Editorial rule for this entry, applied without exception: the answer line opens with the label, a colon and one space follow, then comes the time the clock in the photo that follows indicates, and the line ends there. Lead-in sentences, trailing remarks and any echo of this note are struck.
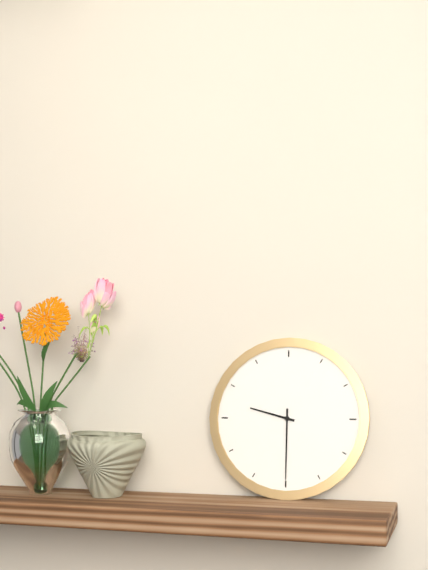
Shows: 9:30
